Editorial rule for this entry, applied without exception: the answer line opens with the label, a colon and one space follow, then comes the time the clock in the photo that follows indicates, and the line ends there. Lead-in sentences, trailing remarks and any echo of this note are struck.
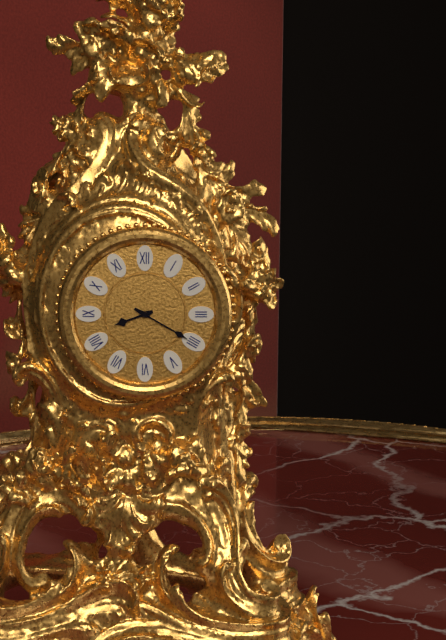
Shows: 8:20
